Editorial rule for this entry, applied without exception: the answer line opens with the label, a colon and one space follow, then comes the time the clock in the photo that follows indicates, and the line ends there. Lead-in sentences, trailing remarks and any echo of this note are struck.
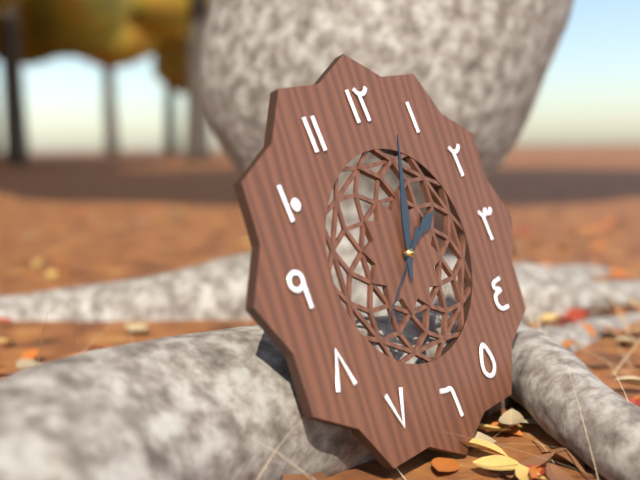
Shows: 2:03:38
